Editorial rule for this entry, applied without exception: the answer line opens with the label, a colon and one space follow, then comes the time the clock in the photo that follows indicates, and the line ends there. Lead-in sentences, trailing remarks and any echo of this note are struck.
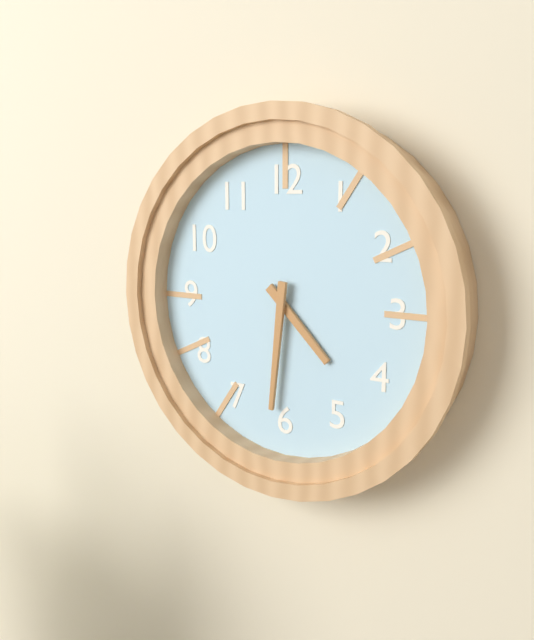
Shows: 4:31
